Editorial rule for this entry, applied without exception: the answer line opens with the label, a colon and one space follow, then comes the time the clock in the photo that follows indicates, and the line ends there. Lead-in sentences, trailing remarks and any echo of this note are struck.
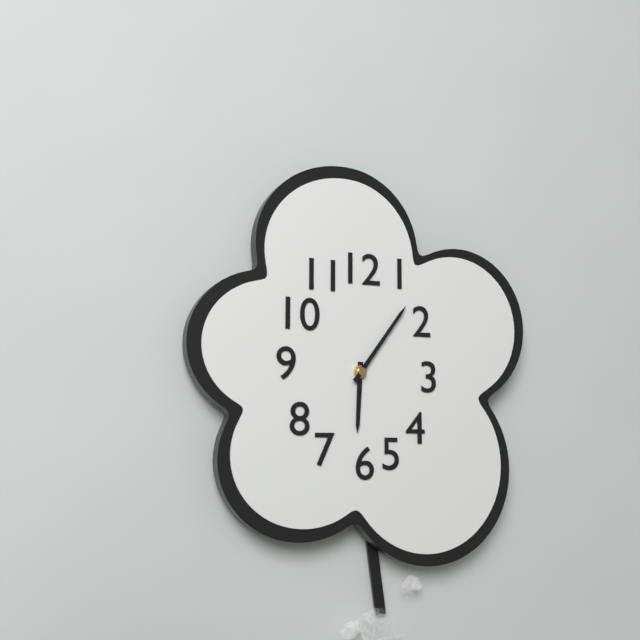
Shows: 6:06
